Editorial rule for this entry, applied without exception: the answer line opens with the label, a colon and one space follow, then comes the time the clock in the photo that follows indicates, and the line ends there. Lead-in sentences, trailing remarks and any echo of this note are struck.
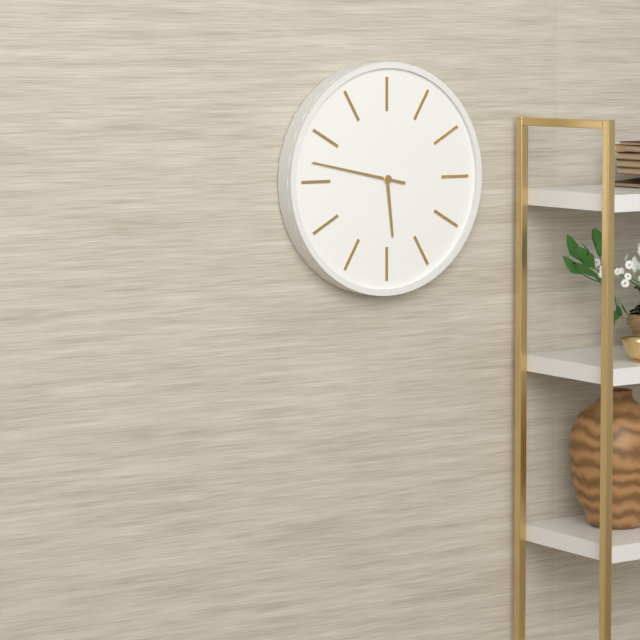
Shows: 5:47
